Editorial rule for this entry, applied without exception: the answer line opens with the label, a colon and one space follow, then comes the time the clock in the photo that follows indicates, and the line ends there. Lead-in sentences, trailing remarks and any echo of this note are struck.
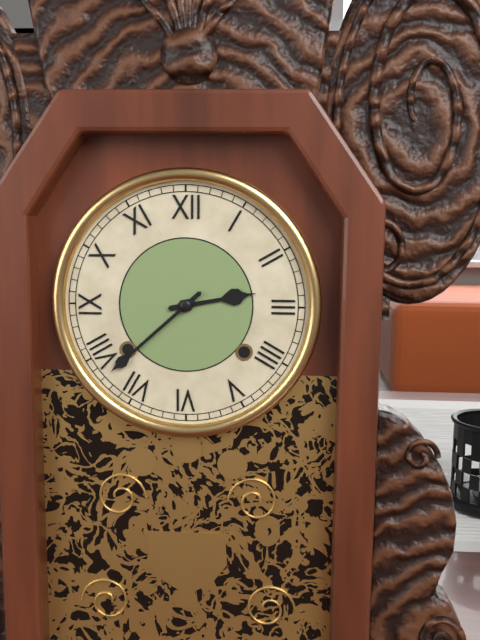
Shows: 2:38
